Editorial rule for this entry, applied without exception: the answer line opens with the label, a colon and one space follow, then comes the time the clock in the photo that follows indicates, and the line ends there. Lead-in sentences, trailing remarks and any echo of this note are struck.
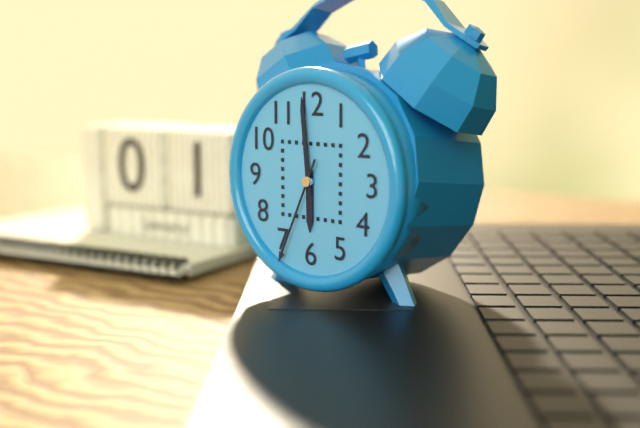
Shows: 5:59:34
